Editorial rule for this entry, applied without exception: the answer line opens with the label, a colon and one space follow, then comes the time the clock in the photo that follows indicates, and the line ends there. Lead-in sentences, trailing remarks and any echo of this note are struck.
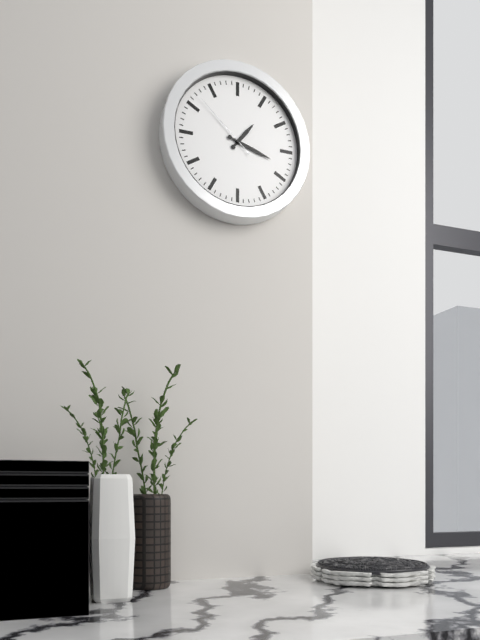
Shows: 1:18:52
